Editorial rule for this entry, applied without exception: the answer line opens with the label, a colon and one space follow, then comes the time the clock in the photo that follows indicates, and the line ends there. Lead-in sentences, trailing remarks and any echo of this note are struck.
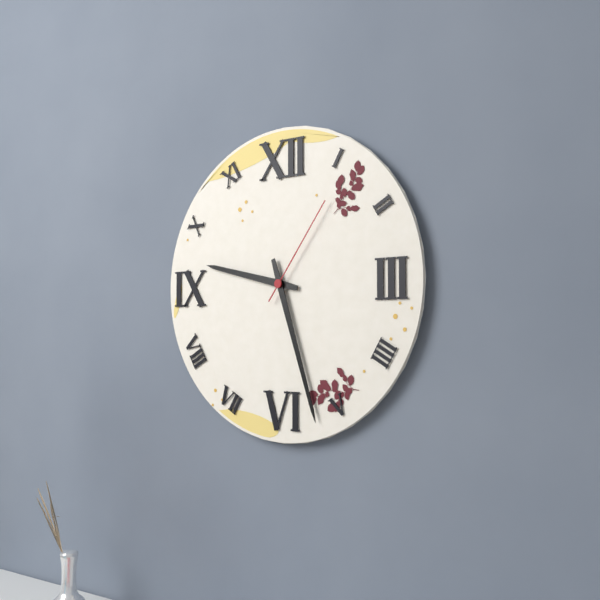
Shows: 9:27:06
